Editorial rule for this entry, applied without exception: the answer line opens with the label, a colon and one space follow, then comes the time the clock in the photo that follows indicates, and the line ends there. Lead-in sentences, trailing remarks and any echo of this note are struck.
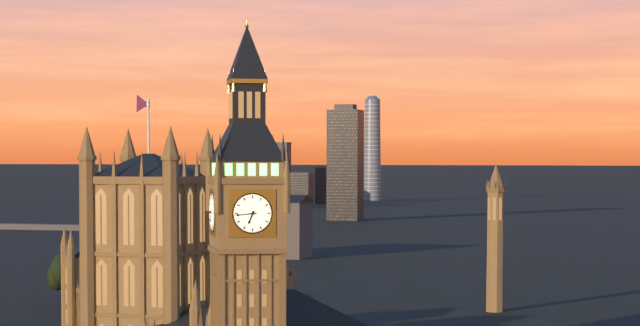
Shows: 6:44
